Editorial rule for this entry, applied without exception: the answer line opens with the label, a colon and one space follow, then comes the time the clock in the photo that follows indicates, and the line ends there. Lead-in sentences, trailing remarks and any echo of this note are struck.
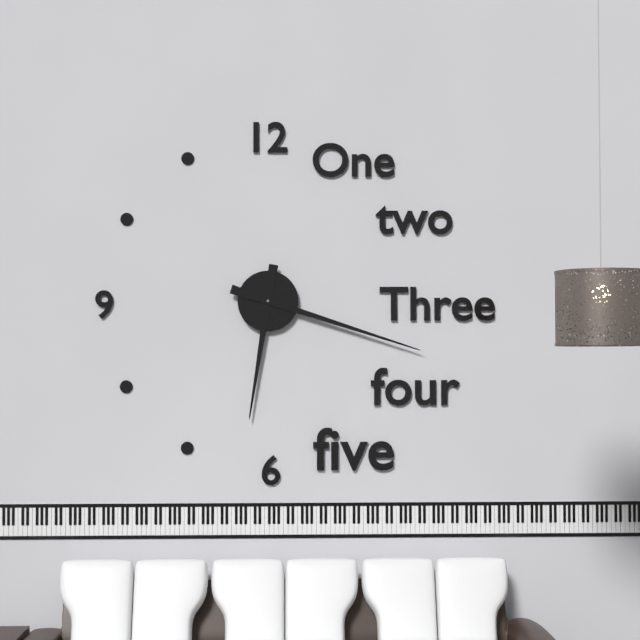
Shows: 6:18
